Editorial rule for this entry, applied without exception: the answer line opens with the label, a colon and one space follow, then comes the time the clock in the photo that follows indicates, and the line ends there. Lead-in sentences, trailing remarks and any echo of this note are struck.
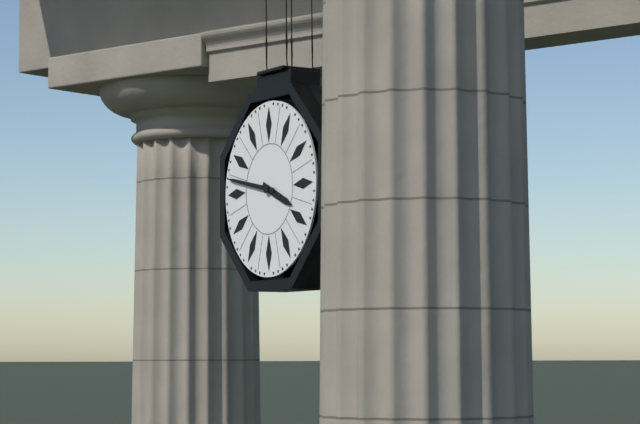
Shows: 3:47
